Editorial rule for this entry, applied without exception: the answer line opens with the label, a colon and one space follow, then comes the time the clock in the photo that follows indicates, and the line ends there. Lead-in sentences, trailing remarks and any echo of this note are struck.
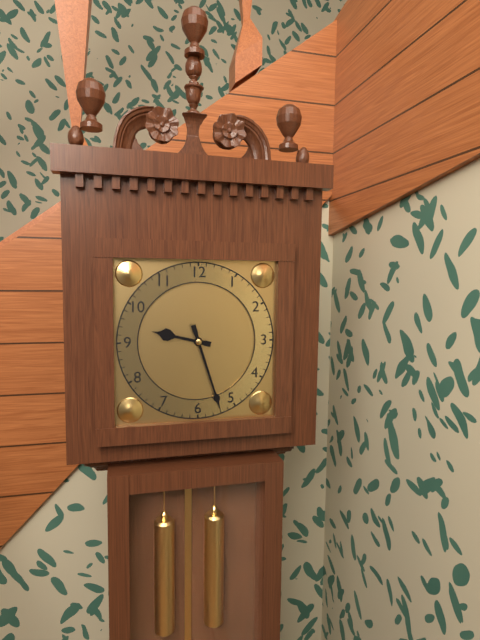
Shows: 9:27
